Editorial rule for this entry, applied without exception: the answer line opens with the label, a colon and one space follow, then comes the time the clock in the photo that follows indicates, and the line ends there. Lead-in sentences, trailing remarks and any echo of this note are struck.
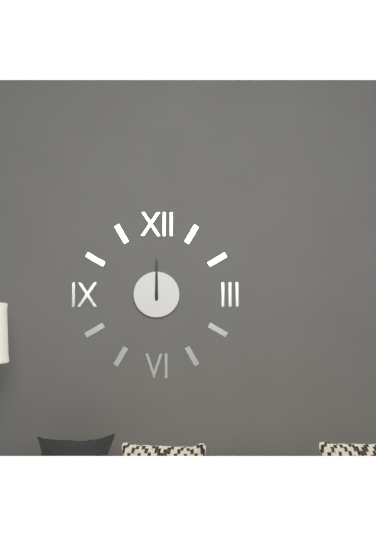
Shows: 12:00
